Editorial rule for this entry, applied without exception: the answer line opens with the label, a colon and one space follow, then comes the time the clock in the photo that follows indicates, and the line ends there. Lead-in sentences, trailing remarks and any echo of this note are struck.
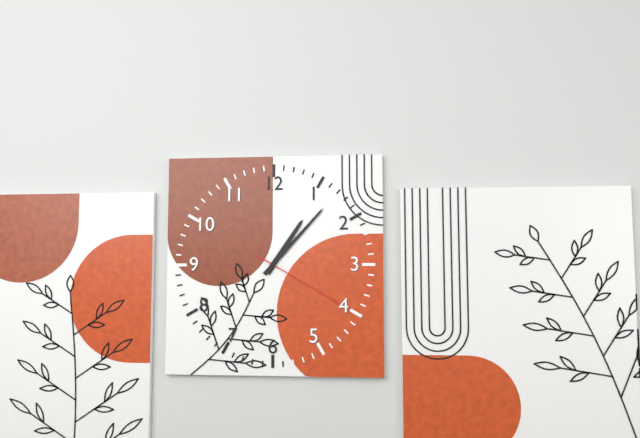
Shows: 1:07:20
